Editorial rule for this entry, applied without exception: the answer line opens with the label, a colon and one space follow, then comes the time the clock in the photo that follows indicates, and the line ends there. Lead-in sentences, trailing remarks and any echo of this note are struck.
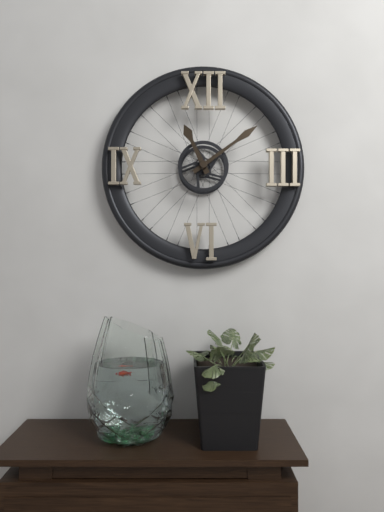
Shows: 11:09
